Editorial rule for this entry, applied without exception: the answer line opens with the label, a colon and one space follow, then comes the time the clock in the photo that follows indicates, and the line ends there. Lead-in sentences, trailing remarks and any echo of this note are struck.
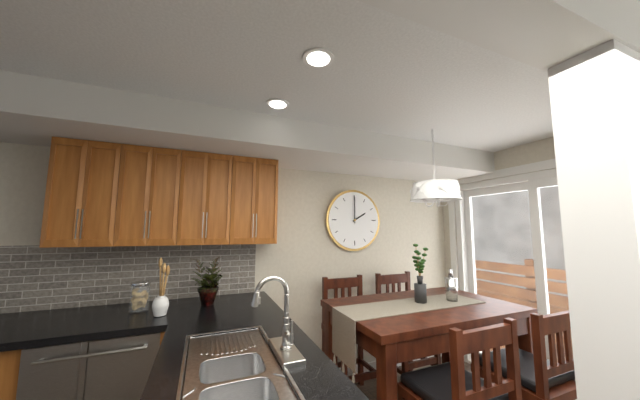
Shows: 2:00
